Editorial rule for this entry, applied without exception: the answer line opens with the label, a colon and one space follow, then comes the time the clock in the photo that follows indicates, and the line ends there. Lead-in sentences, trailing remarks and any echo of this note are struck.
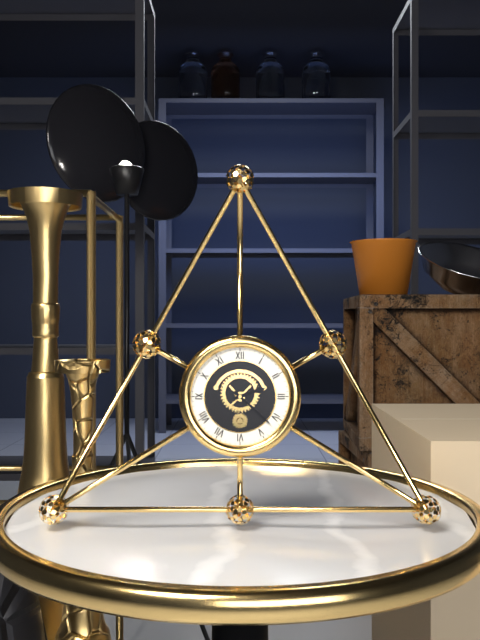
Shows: 2:22
